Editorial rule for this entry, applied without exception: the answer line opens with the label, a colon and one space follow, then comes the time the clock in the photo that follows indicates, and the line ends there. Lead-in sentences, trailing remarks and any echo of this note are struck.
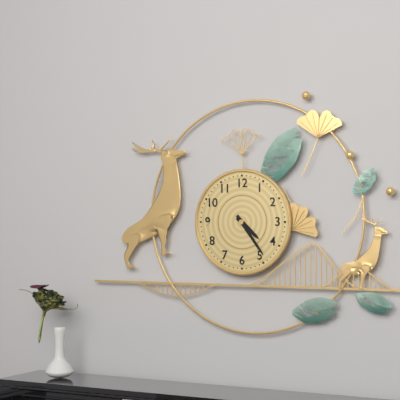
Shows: 4:24
